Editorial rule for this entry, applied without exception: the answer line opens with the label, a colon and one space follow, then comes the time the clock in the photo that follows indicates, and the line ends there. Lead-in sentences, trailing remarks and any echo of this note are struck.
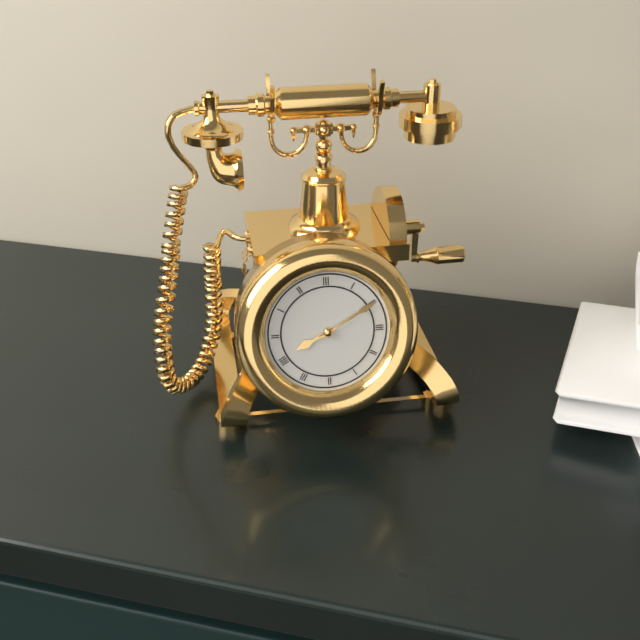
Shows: 8:10
